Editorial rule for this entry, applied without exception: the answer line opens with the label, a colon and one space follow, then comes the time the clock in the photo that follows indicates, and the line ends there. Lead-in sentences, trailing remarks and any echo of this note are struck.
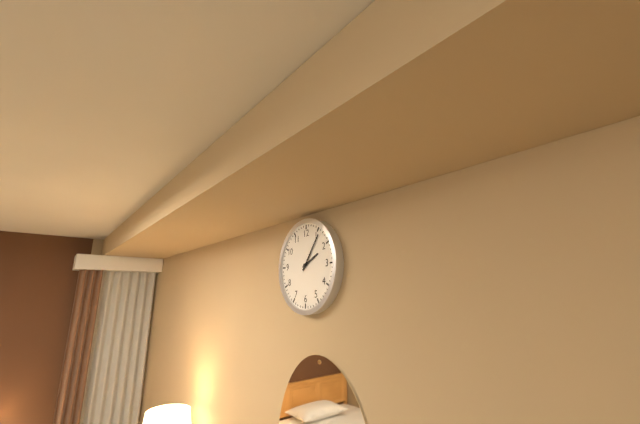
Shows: 2:06
